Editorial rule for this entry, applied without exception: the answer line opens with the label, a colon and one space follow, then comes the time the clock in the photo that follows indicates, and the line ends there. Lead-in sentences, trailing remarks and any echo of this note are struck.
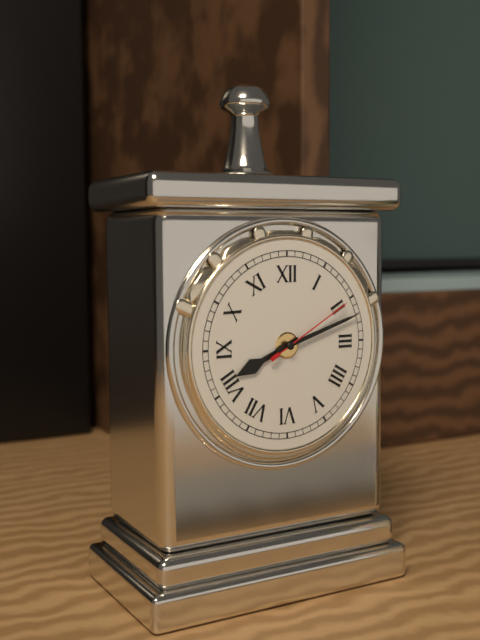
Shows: 8:12:10
